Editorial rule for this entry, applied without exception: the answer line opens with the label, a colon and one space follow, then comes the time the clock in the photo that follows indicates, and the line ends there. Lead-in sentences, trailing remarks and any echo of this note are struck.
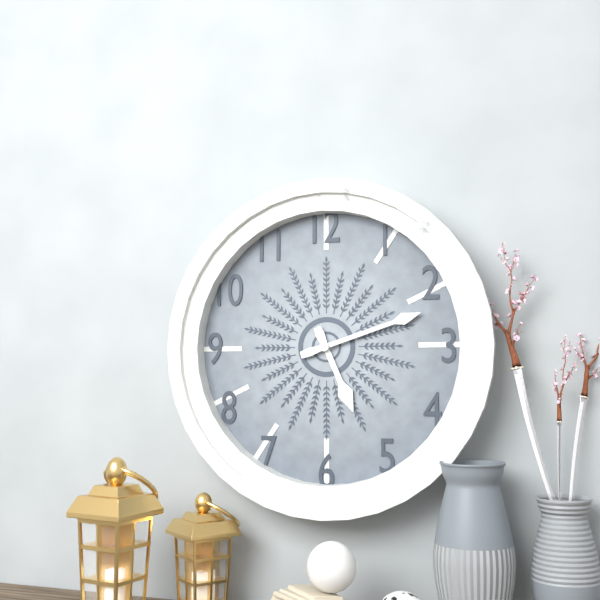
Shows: 5:12
